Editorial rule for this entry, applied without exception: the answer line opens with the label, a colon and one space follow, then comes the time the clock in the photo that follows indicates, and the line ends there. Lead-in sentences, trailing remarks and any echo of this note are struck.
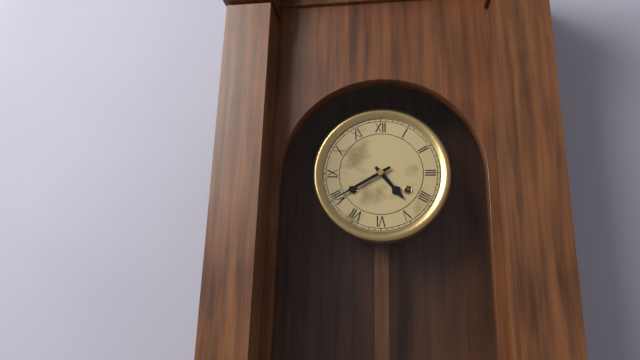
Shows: 4:40
